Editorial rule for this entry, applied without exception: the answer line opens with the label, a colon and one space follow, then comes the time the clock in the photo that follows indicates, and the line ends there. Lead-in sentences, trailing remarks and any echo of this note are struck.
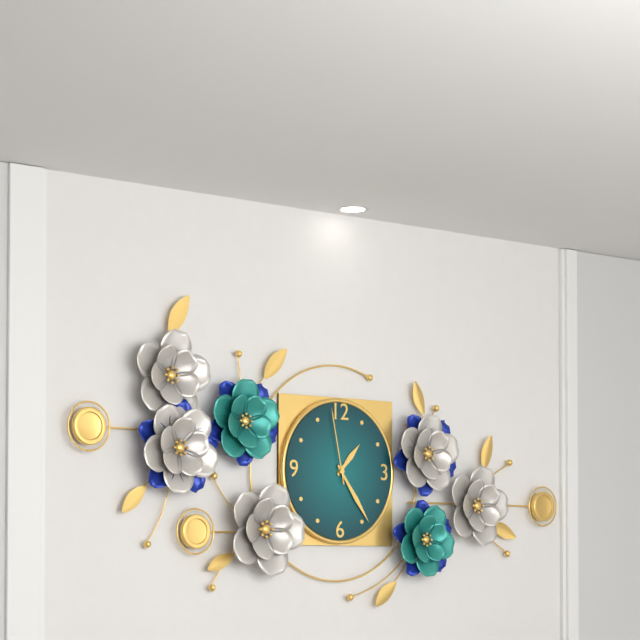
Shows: 1:24:58
